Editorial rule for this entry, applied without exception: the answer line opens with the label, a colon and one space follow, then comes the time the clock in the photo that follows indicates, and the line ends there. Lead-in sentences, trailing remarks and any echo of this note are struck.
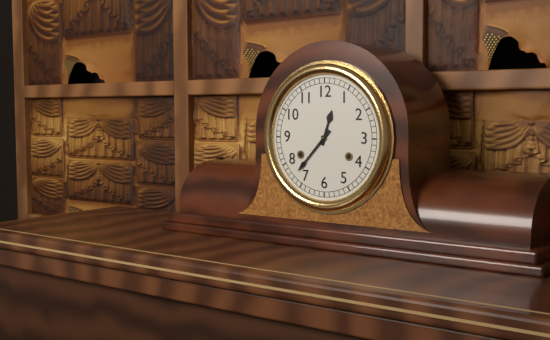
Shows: 12:37
